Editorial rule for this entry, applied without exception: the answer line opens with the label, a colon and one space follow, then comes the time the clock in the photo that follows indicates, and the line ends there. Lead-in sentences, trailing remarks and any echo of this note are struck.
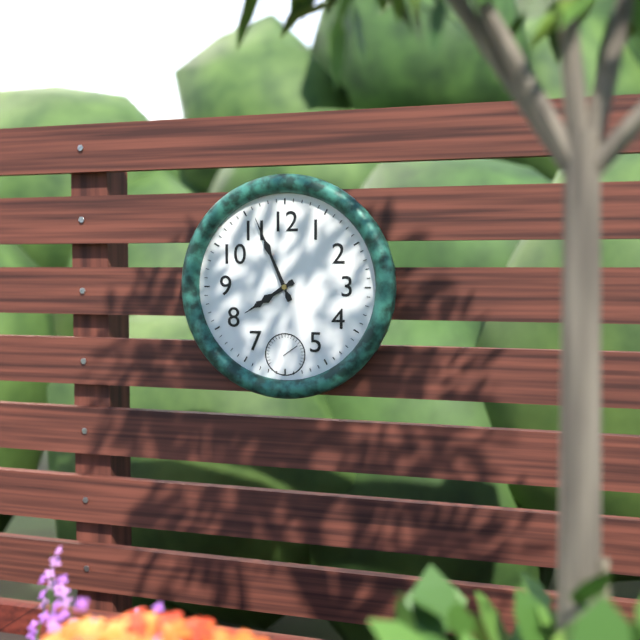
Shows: 7:56
